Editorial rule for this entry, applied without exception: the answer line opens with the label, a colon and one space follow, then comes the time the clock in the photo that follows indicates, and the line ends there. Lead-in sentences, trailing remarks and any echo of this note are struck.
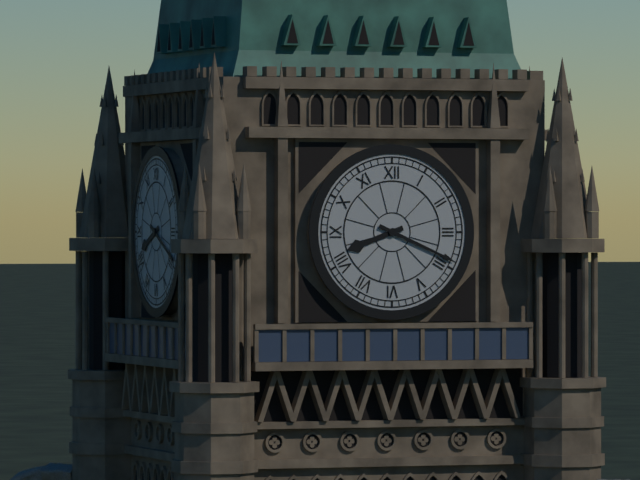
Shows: 8:19
